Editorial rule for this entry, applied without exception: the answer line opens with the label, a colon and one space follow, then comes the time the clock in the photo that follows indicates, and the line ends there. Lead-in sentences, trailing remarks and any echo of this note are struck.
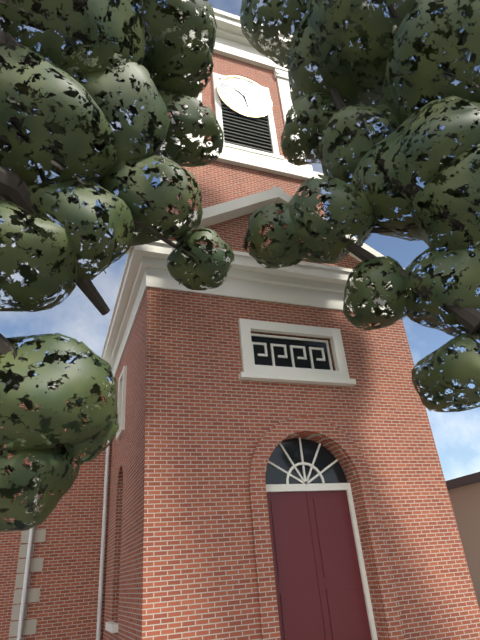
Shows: 10:28
